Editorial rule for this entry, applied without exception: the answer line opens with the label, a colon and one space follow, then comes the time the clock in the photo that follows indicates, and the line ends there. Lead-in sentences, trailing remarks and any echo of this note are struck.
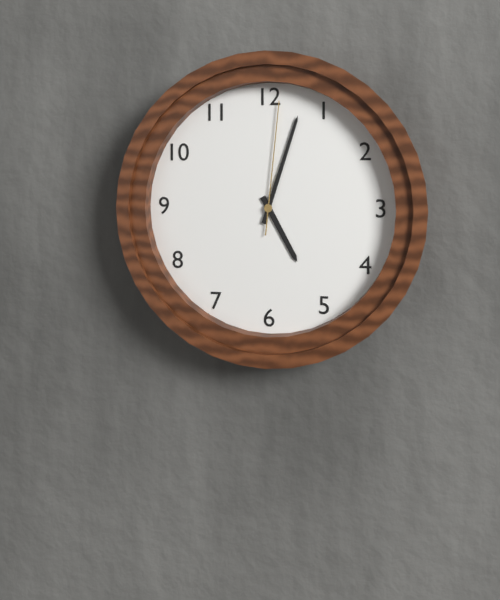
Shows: 5:03:01
